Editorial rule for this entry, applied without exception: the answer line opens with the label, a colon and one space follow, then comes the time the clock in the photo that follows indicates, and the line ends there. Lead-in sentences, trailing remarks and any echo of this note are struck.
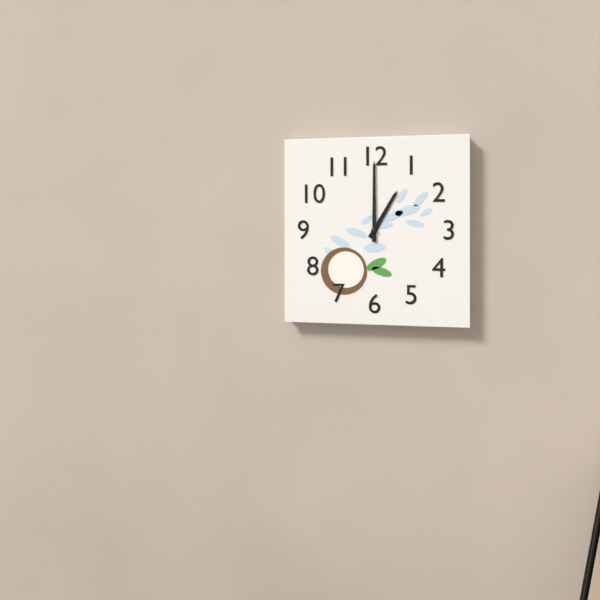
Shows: 1:00
